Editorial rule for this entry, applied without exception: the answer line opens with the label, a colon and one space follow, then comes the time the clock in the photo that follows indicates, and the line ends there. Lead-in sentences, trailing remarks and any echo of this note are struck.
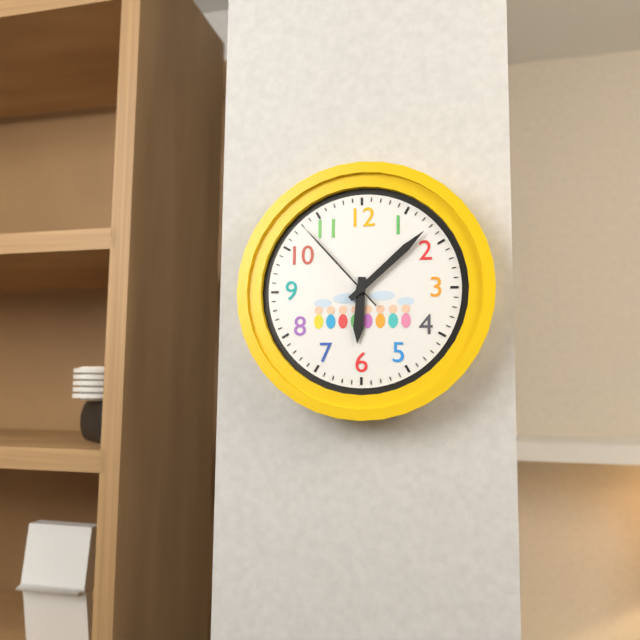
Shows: 6:08:53
